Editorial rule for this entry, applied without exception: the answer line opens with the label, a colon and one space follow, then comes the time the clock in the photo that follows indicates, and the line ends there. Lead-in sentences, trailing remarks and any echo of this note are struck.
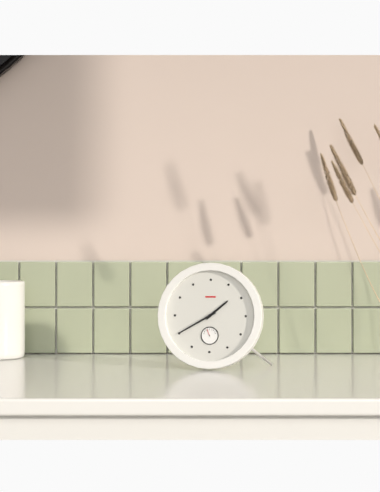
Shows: 1:40
